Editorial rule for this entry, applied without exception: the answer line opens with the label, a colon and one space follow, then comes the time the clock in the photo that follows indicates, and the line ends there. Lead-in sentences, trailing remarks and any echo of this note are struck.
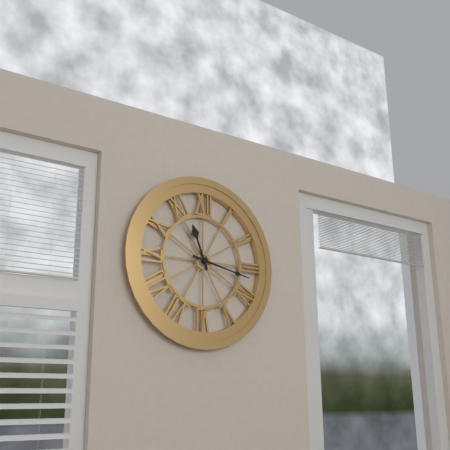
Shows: 11:17
